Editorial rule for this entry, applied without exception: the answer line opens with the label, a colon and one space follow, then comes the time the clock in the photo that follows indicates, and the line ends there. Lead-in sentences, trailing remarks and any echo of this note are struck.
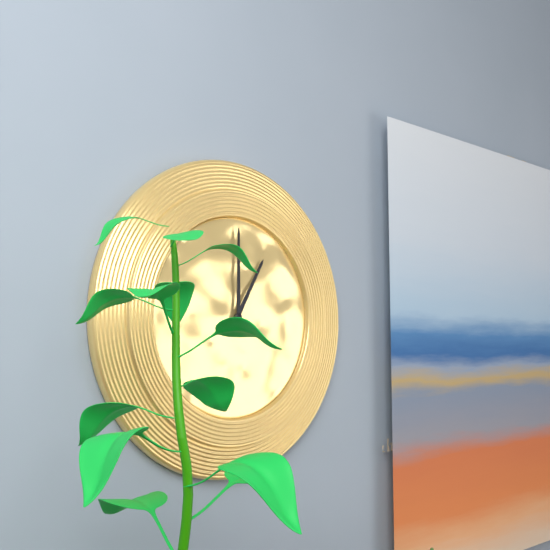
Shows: 1:00
